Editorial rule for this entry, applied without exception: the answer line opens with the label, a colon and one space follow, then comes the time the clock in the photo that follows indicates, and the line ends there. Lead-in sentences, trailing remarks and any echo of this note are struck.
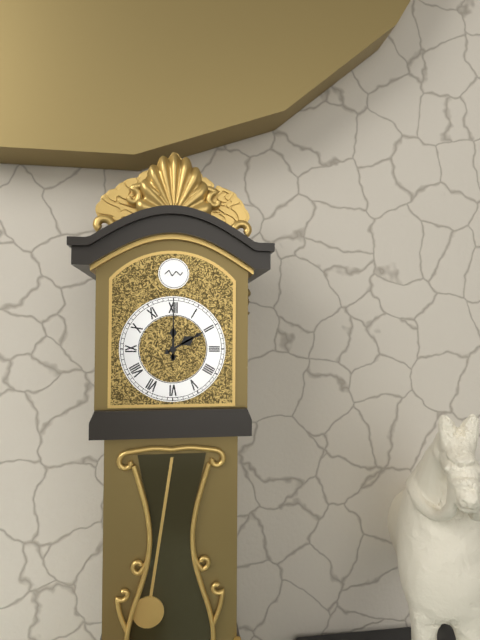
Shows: 2:00
